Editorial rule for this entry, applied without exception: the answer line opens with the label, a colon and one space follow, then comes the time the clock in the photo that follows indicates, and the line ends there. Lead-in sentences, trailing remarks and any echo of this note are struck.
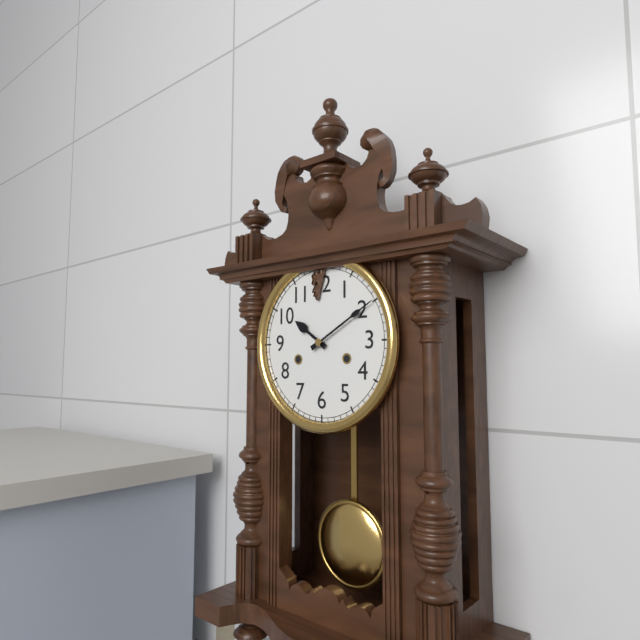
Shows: 10:10
